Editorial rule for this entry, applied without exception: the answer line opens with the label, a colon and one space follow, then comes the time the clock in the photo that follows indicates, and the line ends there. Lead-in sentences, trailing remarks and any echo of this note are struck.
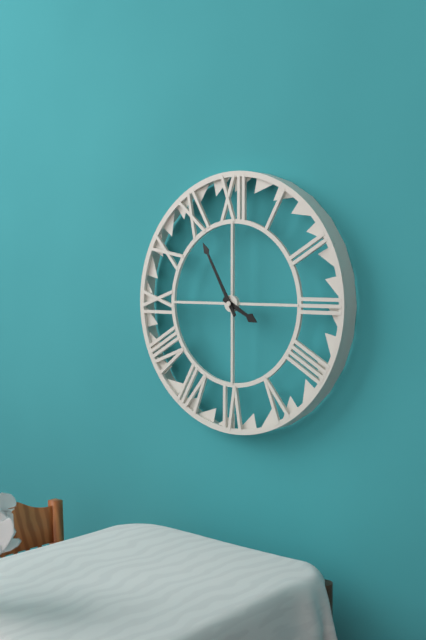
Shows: 3:55
